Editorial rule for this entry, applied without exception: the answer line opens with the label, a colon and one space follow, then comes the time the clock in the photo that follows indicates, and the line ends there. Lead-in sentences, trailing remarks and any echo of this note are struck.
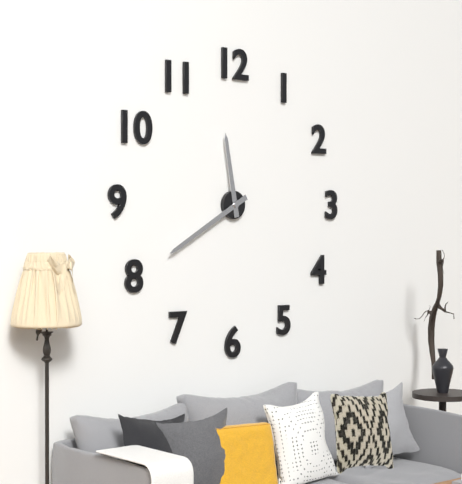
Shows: 11:40
